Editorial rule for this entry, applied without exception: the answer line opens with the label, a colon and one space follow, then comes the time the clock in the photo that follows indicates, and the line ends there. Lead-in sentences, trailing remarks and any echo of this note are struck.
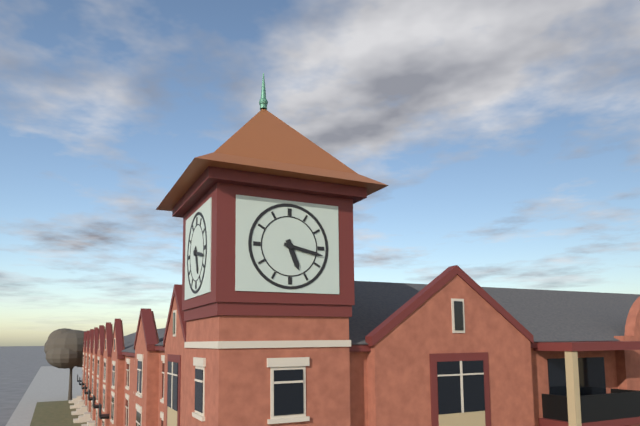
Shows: 5:17
